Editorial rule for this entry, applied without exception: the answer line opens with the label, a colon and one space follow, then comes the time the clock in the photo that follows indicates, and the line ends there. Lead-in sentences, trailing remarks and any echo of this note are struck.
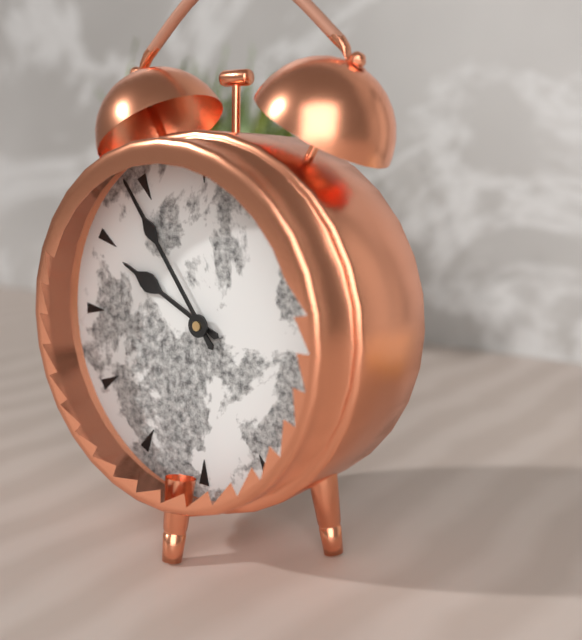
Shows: 9:54
